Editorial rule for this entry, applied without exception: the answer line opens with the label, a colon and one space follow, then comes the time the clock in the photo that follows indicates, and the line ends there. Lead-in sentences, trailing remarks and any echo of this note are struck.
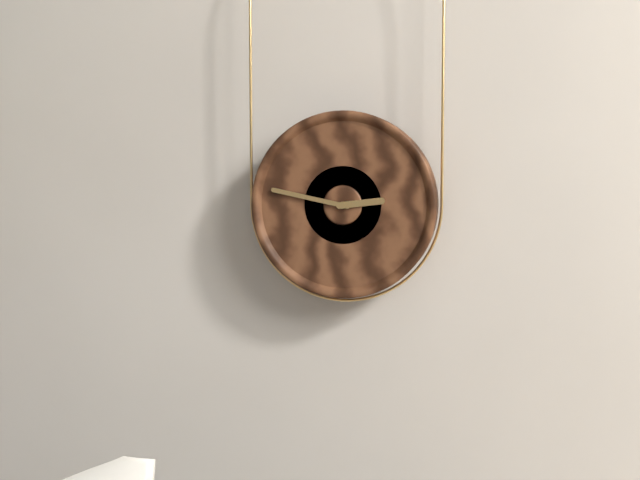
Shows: 2:47
